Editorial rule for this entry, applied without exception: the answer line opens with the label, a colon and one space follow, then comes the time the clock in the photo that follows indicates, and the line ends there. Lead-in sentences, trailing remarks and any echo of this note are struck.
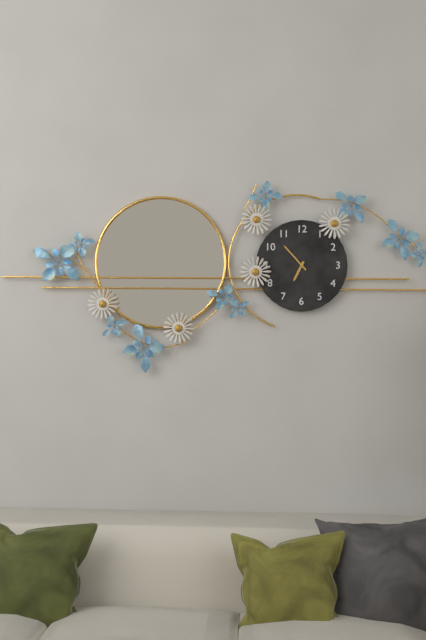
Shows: 6:53
